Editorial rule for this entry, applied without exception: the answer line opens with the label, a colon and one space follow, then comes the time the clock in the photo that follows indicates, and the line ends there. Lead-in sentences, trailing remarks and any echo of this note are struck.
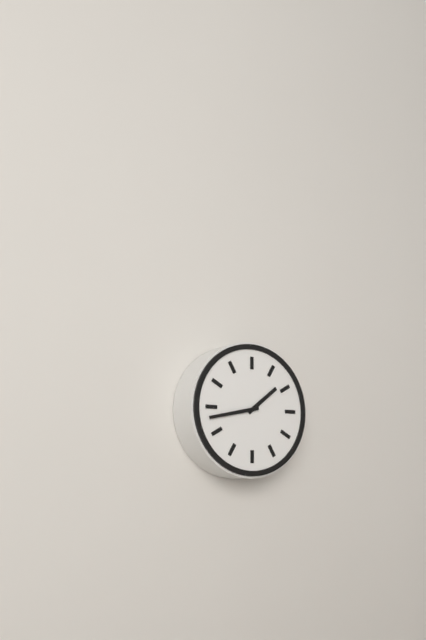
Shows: 1:43
